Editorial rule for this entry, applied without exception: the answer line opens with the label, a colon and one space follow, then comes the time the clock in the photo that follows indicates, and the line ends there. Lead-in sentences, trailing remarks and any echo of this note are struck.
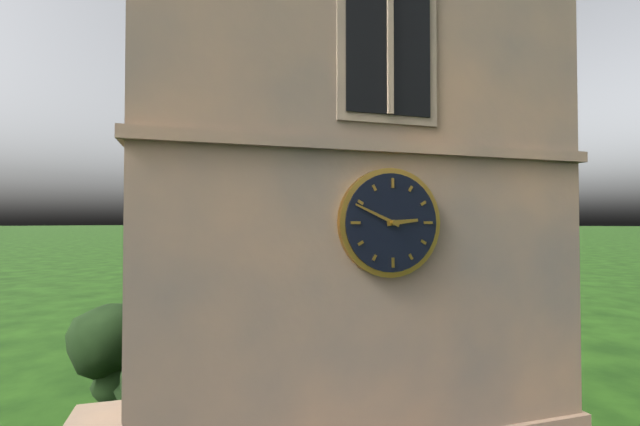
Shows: 2:49
